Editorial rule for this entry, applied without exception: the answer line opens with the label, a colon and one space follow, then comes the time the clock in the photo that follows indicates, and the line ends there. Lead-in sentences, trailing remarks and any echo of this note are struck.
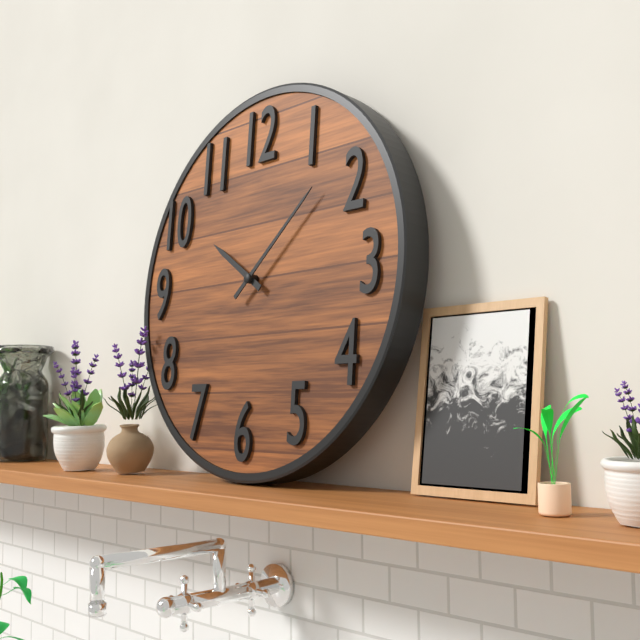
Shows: 10:08
